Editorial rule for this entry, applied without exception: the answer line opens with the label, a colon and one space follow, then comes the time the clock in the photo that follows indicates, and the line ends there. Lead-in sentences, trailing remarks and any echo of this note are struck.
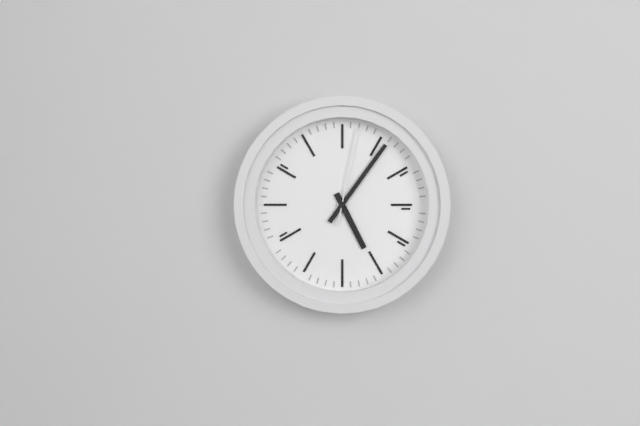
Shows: 5:06:02
